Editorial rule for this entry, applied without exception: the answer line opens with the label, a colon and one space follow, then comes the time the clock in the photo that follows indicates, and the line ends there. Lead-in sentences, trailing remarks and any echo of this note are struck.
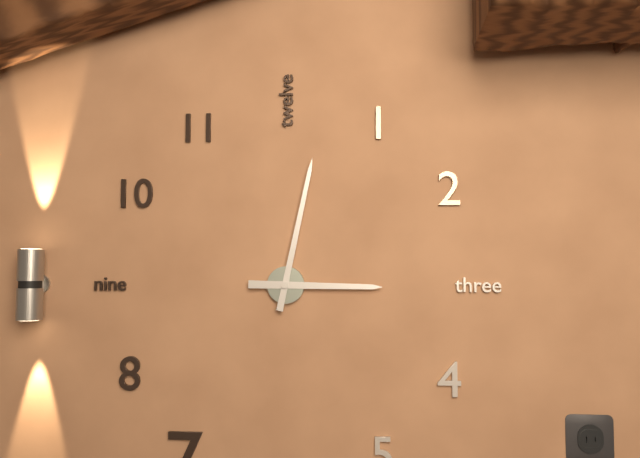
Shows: 3:02
